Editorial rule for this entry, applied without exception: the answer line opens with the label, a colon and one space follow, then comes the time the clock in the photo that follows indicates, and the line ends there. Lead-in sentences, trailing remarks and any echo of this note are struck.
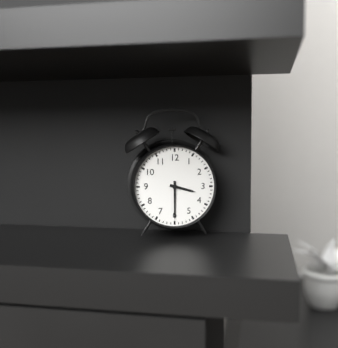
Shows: 3:30
